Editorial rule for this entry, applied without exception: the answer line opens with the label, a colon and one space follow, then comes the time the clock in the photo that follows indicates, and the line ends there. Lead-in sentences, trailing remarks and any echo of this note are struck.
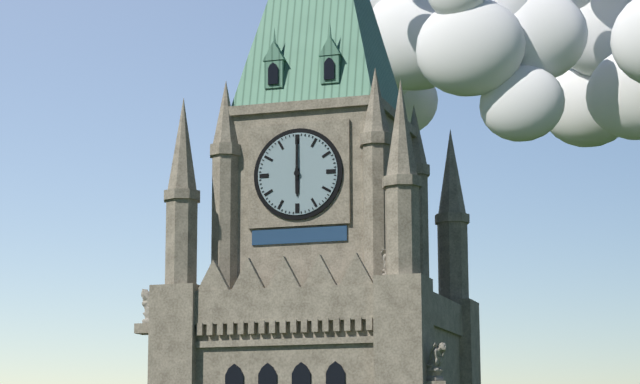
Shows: 6:00
